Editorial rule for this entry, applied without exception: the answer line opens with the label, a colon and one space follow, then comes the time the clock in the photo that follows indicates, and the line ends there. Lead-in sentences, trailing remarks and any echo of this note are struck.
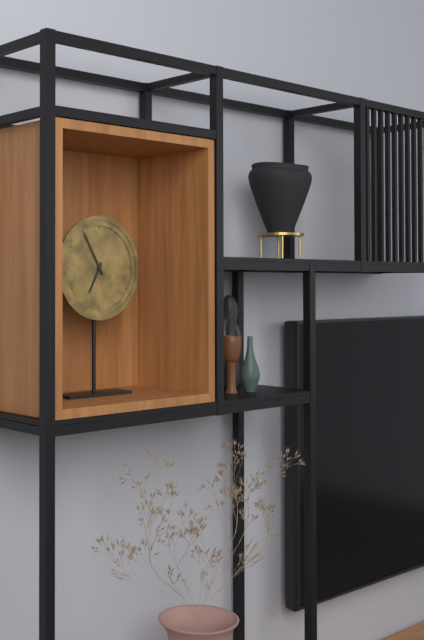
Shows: 6:55
